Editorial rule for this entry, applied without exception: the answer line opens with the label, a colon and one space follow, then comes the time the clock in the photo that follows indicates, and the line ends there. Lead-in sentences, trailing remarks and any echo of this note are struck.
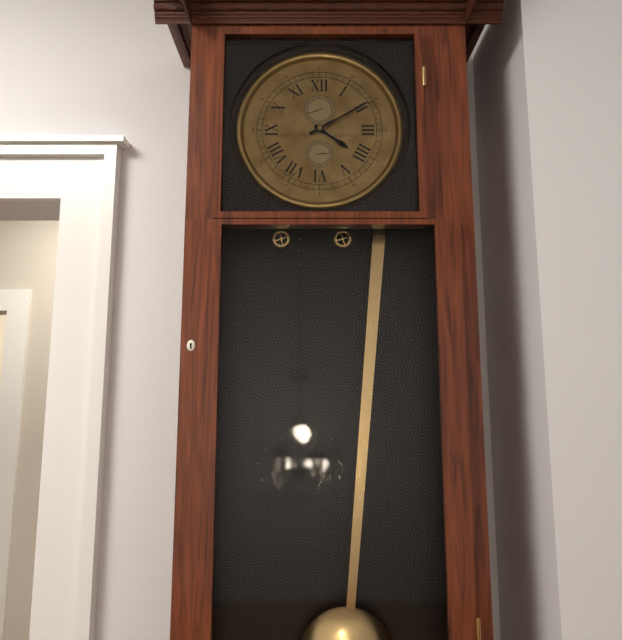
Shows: 4:10
